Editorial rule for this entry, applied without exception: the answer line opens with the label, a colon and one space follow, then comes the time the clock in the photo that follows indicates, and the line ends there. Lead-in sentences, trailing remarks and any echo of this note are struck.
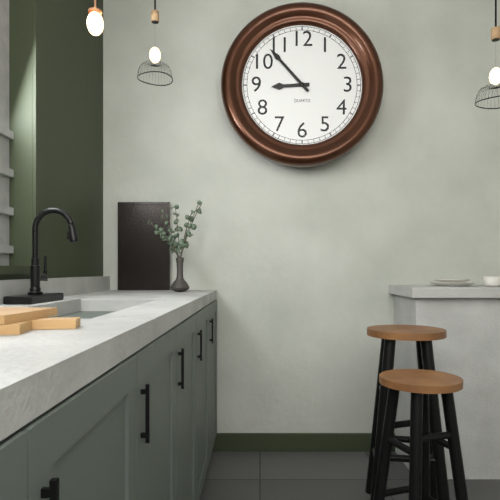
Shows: 8:53
